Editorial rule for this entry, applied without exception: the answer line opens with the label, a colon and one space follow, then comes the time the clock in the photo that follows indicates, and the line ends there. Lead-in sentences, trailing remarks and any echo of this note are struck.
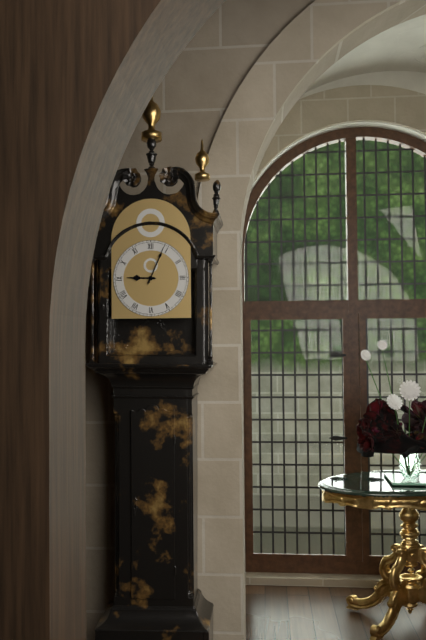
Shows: 9:04
